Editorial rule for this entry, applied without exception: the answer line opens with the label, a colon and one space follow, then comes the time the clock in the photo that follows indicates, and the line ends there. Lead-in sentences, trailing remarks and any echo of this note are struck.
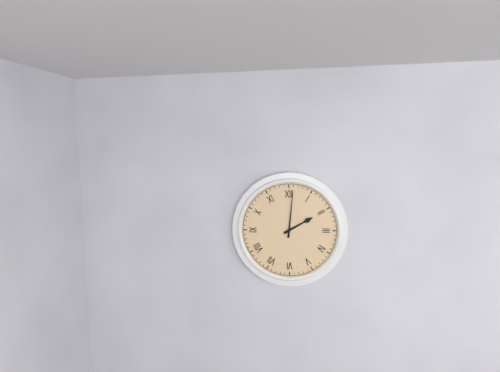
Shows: 2:01
